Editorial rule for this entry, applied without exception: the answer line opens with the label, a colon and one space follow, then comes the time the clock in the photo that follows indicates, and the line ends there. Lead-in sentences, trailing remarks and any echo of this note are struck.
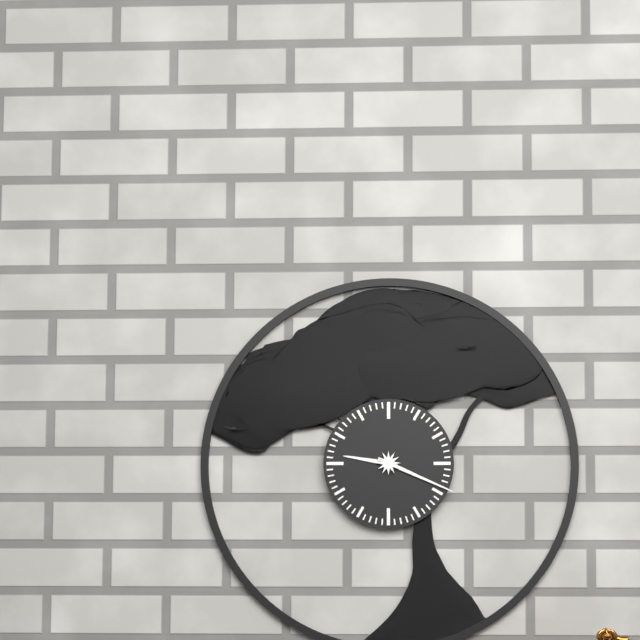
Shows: 9:19
